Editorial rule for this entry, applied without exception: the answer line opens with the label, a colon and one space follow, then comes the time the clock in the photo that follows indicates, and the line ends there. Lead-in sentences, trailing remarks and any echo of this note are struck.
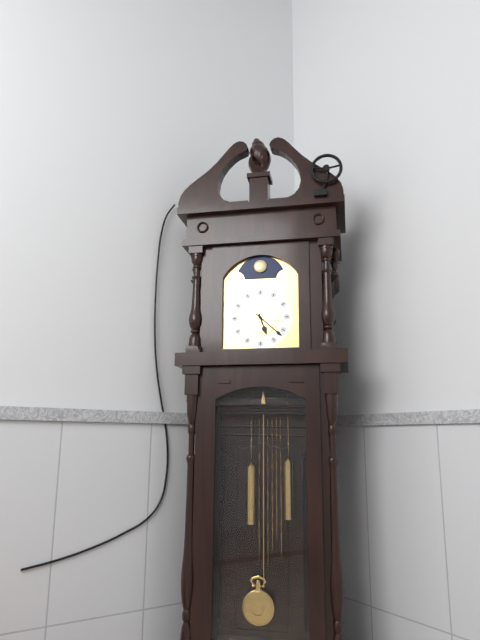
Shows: 5:22
